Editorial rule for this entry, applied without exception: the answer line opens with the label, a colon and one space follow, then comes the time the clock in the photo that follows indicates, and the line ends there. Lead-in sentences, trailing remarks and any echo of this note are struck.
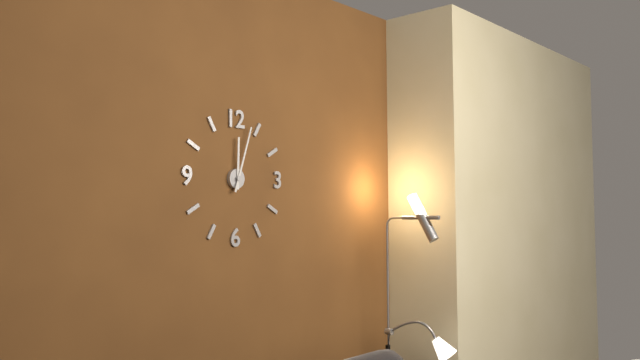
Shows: 12:03
